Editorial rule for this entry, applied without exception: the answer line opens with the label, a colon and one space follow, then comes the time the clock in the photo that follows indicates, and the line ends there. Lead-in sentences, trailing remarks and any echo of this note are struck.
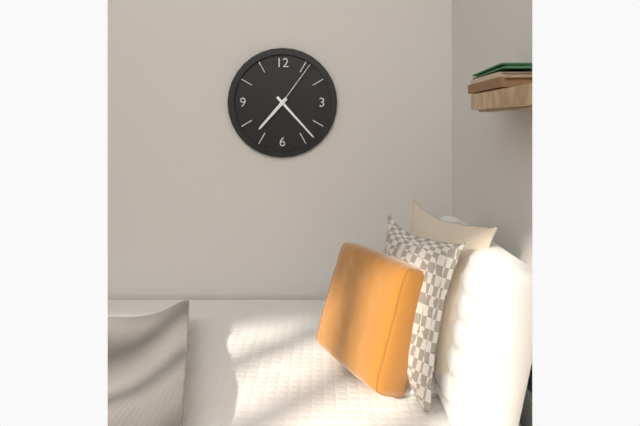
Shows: 7:23:06
